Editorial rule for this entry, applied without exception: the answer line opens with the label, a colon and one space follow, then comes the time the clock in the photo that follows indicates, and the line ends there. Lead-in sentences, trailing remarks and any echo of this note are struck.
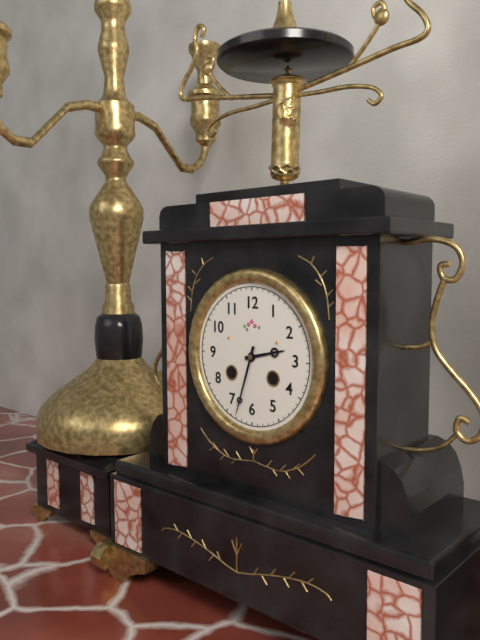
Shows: 2:33
